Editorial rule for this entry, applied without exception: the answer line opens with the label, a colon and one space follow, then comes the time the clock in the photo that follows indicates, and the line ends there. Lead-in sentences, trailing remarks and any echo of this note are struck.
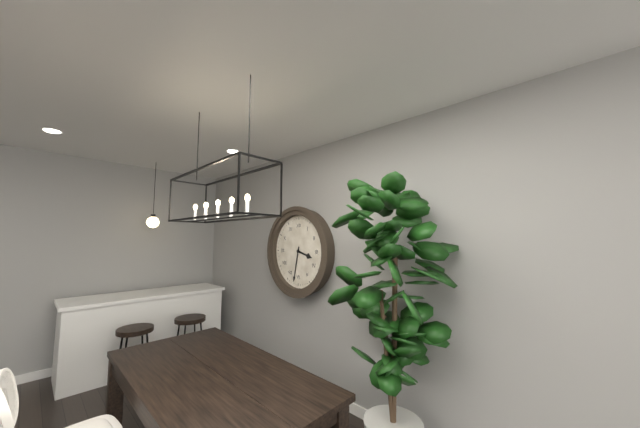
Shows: 3:32
